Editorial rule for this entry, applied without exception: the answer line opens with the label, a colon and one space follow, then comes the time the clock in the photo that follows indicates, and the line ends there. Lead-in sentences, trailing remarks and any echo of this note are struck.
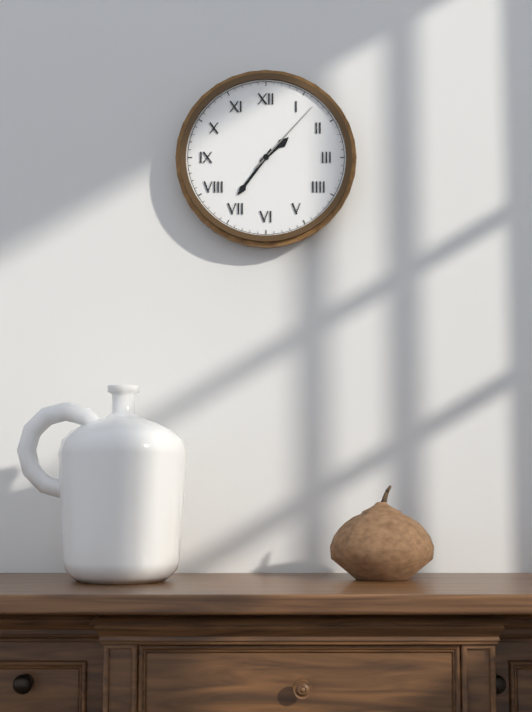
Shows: 1:36:07
